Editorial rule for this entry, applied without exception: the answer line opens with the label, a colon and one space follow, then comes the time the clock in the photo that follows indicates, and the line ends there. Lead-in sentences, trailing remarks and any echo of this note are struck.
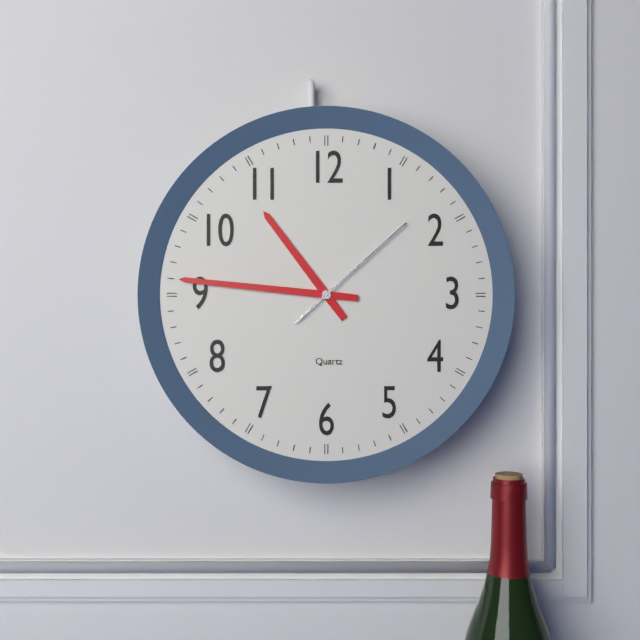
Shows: 10:46:08
